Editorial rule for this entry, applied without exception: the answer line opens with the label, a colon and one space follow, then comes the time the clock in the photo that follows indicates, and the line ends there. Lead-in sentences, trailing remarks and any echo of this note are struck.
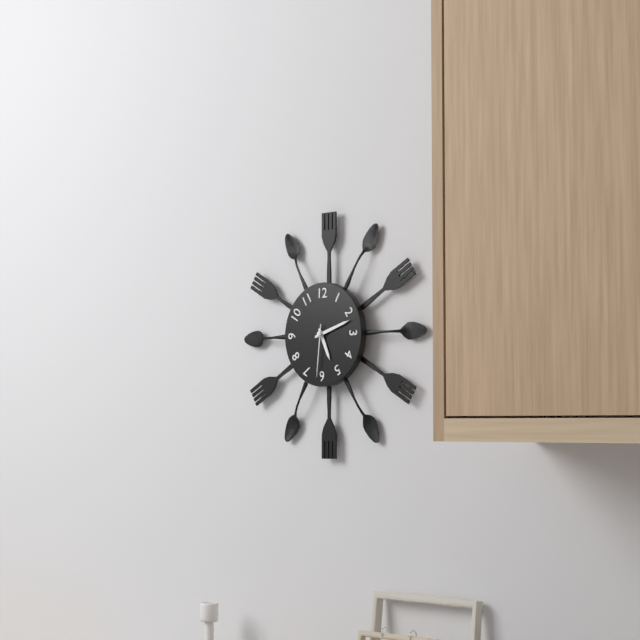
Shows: 5:12:31
